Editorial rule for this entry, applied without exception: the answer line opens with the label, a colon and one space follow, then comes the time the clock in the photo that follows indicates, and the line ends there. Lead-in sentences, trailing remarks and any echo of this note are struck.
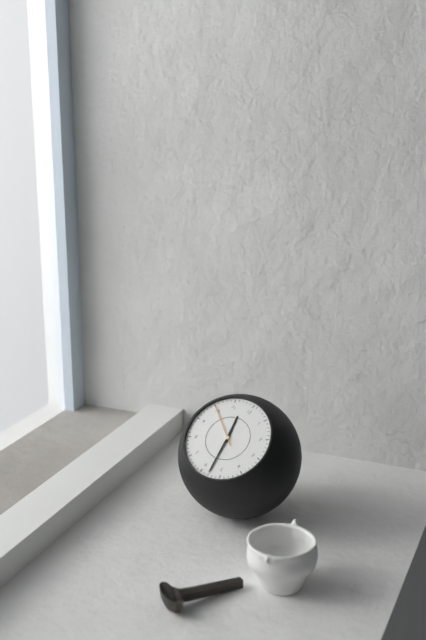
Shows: 11:28
